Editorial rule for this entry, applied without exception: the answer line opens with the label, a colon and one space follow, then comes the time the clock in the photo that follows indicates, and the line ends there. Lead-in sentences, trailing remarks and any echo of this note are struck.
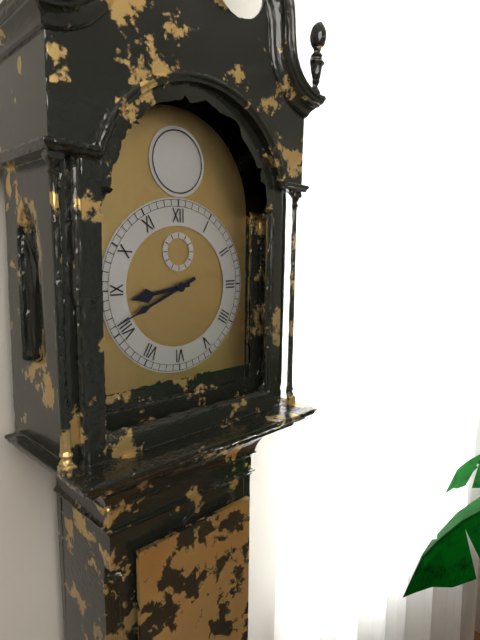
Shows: 8:41
